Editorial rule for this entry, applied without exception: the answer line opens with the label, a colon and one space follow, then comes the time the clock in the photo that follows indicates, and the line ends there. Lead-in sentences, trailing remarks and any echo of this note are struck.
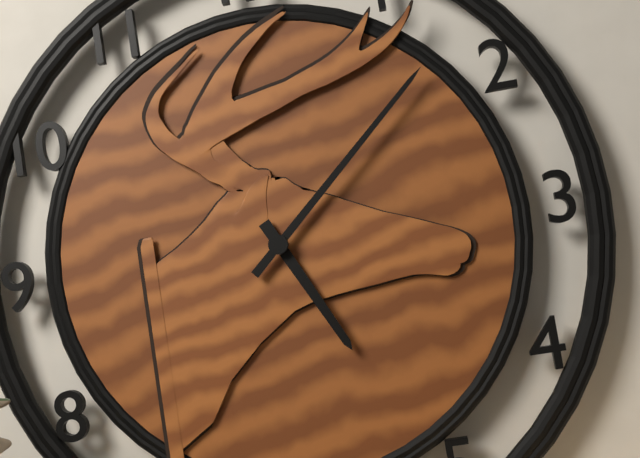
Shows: 5:08
